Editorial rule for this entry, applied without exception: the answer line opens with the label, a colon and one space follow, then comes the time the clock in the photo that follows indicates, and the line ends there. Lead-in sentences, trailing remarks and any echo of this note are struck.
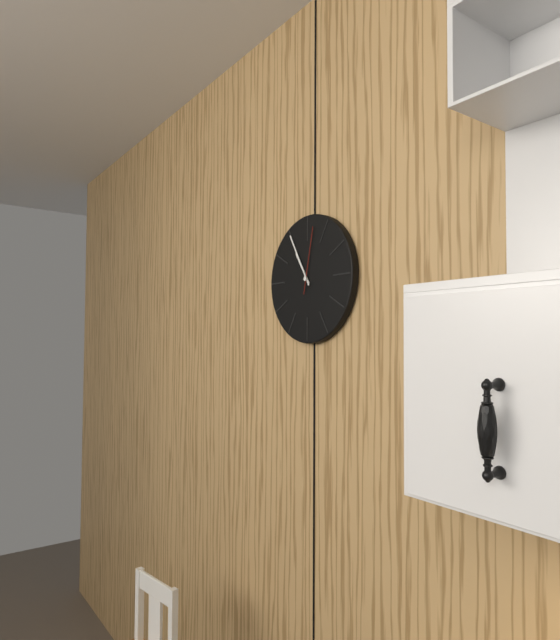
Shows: 10:55:02
